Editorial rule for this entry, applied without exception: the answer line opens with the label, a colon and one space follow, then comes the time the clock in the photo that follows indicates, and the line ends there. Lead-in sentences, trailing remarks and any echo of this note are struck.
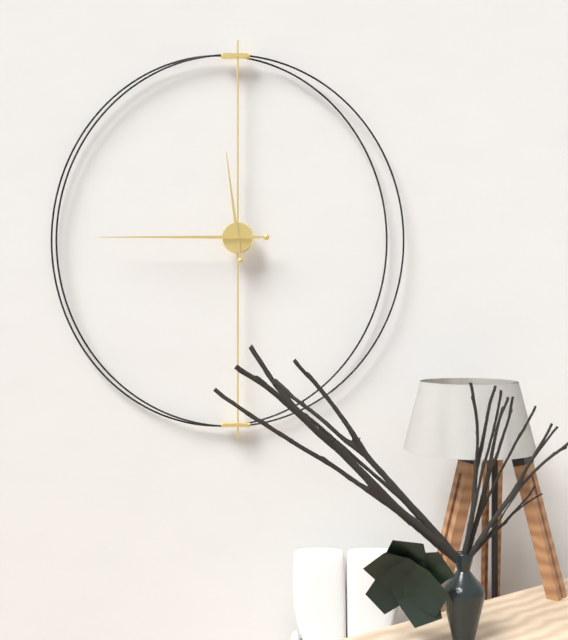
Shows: 11:45
